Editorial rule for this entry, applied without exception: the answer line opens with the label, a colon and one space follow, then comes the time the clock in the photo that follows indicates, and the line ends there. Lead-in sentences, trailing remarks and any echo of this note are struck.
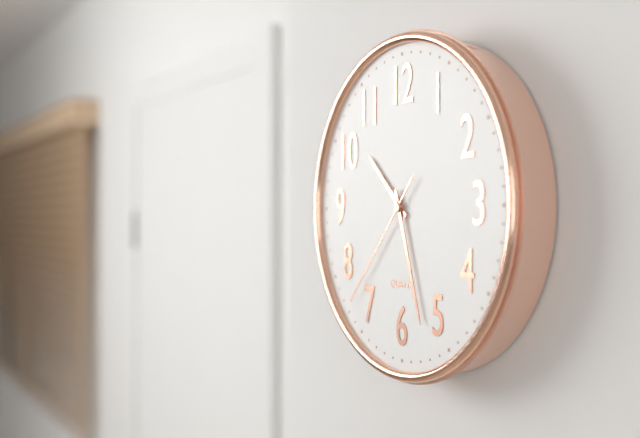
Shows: 10:27:37
